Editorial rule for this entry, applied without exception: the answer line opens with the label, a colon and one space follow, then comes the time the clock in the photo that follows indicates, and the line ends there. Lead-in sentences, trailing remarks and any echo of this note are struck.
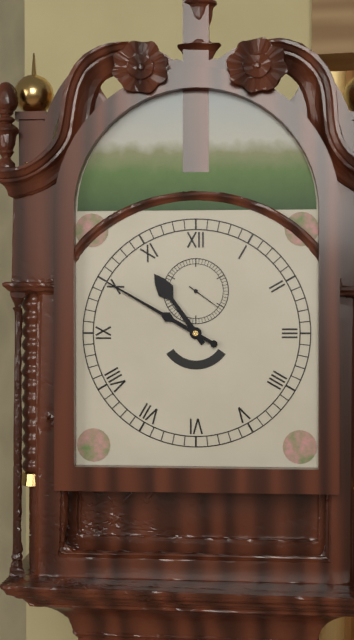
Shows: 10:50
